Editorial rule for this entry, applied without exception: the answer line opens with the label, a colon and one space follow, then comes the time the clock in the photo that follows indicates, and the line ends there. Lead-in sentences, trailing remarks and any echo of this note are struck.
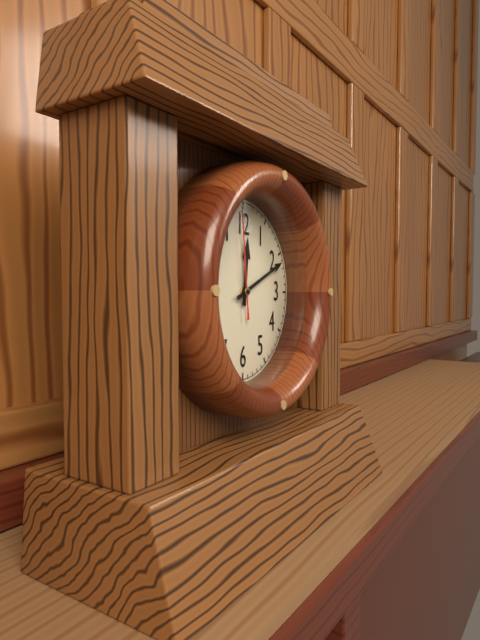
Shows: 12:11:59
